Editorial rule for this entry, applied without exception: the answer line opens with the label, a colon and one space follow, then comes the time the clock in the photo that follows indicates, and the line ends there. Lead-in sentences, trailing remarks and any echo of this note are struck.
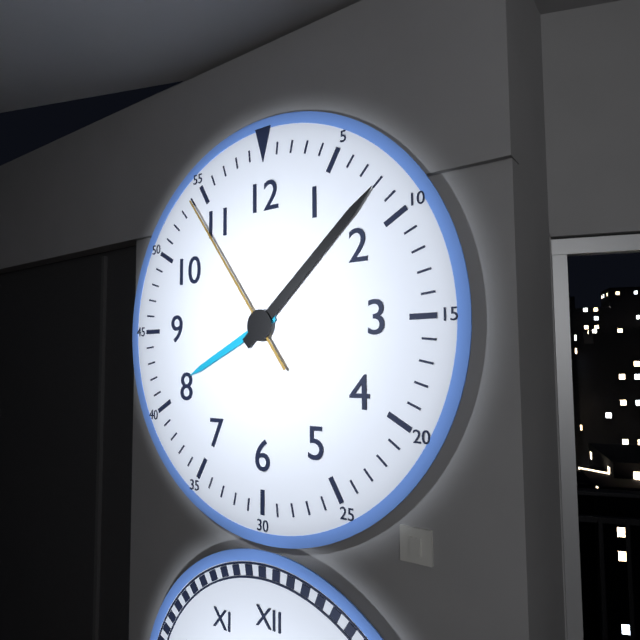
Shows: 8:08:54
